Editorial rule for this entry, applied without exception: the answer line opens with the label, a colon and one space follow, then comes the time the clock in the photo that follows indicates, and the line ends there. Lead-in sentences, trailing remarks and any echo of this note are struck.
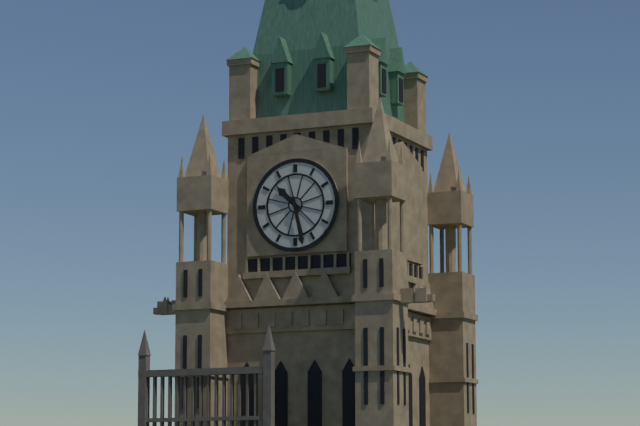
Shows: 10:28
